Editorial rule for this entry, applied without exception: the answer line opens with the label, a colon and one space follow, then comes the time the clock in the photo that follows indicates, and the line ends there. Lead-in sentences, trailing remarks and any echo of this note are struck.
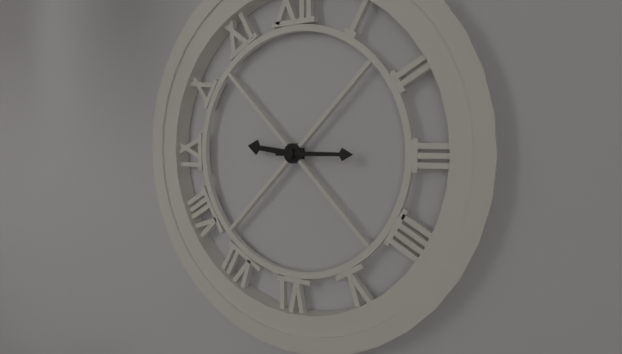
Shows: 9:15
